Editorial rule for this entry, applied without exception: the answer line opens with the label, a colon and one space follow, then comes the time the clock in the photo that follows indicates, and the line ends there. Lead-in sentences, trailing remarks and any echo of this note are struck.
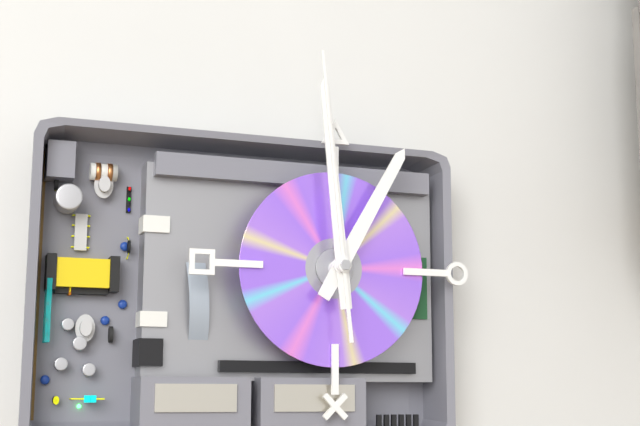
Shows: 12:59:59
